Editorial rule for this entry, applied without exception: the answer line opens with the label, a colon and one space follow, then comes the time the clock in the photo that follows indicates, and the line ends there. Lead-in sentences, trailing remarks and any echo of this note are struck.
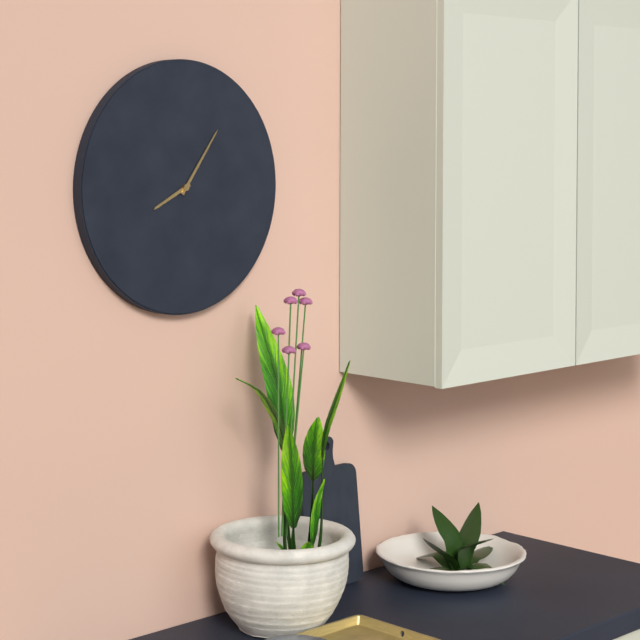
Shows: 8:06
